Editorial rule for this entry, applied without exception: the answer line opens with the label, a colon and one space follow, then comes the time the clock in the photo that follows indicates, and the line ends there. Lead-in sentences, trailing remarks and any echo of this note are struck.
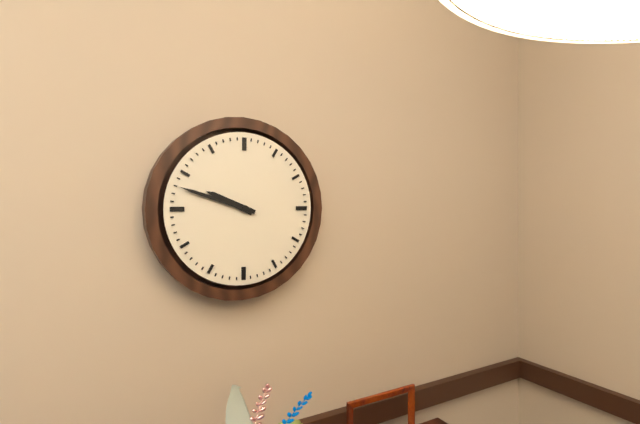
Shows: 9:48
